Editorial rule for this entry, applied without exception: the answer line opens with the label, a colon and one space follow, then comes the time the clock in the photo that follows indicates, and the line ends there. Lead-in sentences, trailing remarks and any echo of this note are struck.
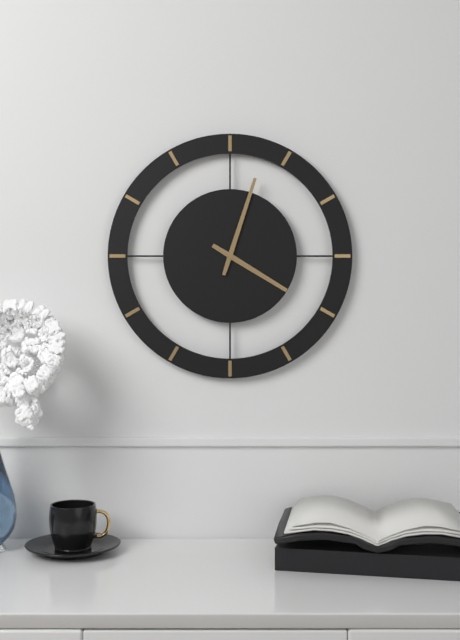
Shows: 4:03
